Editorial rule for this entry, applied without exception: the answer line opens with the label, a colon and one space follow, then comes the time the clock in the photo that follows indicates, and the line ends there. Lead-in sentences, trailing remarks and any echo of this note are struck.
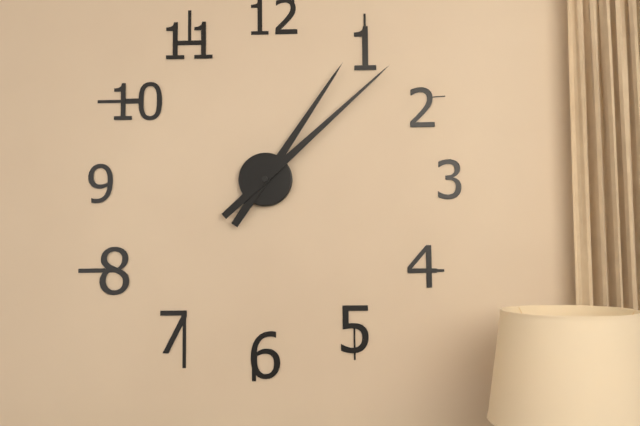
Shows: 1:08
